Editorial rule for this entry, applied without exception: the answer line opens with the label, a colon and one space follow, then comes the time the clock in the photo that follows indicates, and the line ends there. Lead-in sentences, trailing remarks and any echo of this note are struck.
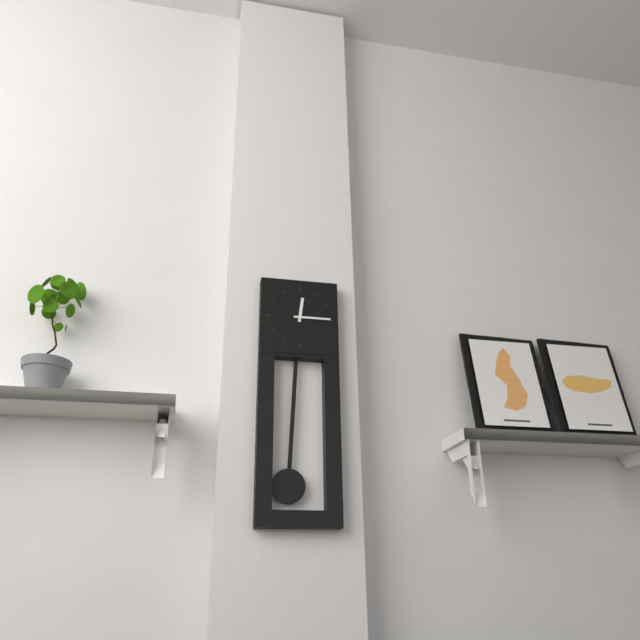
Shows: 12:15
